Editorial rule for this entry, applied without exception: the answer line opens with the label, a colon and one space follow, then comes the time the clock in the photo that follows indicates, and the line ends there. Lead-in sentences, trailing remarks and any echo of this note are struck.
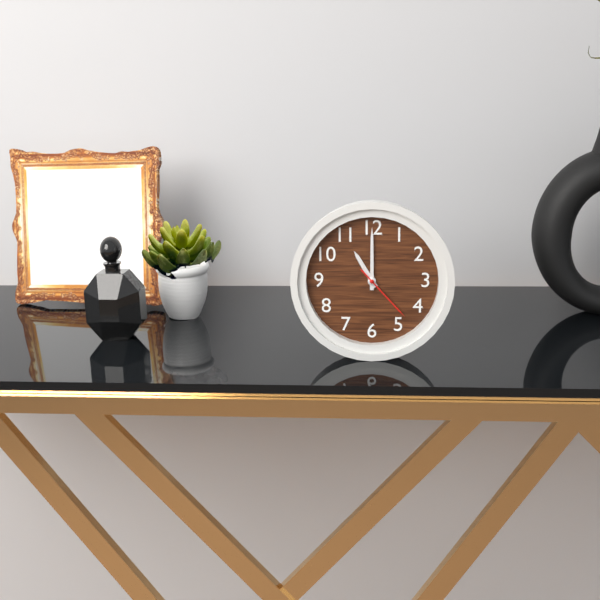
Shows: 11:00:23
